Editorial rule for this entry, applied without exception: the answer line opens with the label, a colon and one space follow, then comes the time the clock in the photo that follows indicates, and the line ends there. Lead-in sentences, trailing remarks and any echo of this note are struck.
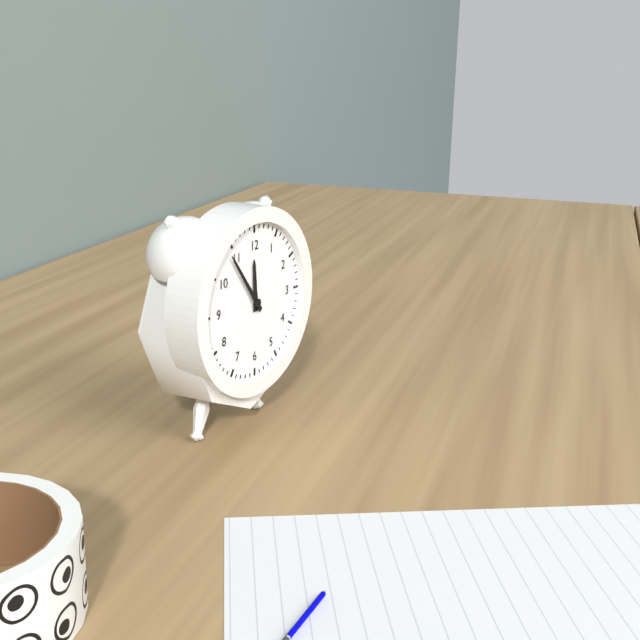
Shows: 11:54
